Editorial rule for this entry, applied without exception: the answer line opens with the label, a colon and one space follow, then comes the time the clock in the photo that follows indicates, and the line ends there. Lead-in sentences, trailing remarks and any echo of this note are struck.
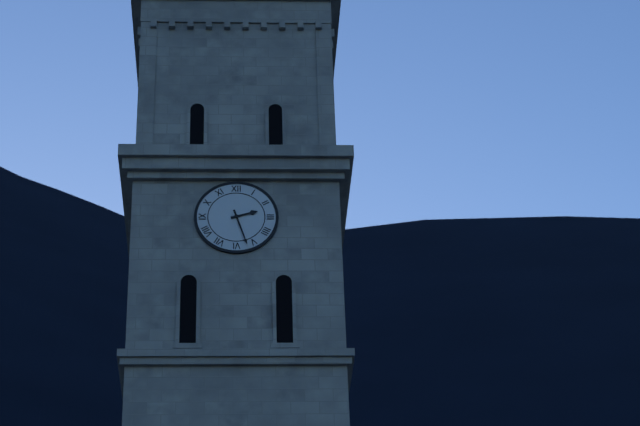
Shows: 2:27
